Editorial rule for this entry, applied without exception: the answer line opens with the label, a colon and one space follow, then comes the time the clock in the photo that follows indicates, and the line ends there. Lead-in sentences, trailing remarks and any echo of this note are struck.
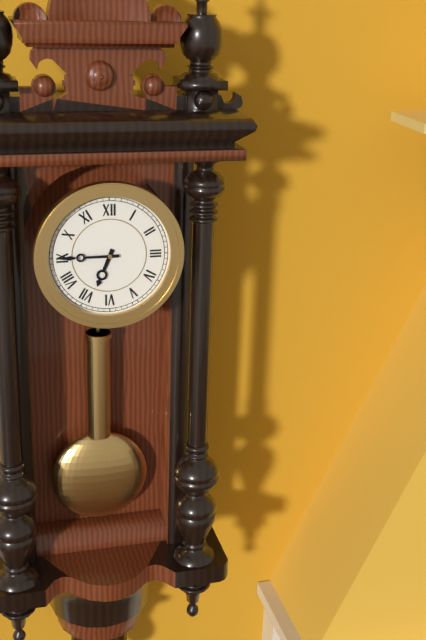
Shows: 6:45
